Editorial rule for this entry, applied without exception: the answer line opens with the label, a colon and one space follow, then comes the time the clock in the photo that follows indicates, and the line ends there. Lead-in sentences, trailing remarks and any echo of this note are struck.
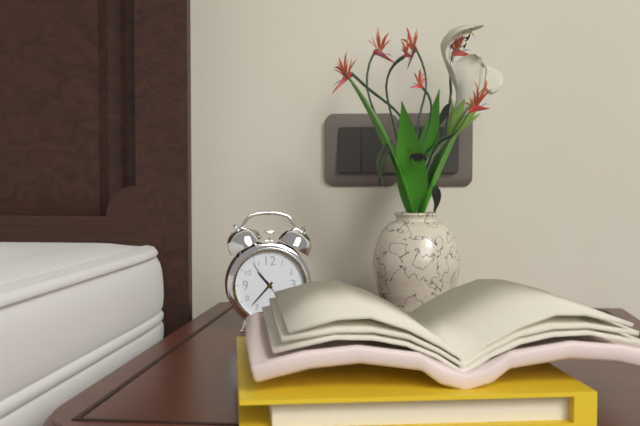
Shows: 10:37
